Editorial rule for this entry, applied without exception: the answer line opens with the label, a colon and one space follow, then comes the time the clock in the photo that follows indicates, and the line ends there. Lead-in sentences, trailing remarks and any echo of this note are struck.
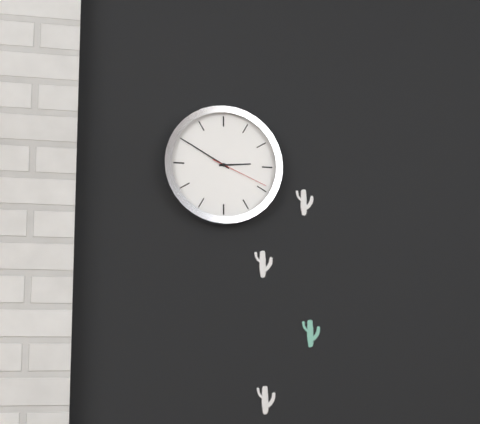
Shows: 2:50:19
